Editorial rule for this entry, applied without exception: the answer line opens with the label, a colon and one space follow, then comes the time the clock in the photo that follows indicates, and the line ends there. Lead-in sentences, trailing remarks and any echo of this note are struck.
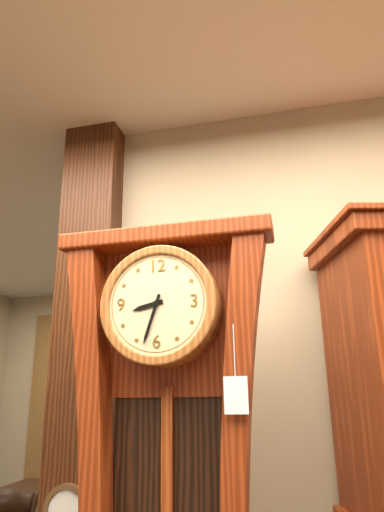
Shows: 8:33
